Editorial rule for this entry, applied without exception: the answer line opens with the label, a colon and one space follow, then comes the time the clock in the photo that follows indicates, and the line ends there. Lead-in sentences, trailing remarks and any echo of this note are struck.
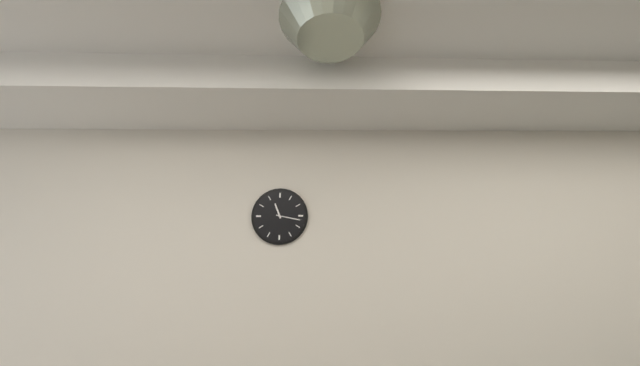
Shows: 11:17
